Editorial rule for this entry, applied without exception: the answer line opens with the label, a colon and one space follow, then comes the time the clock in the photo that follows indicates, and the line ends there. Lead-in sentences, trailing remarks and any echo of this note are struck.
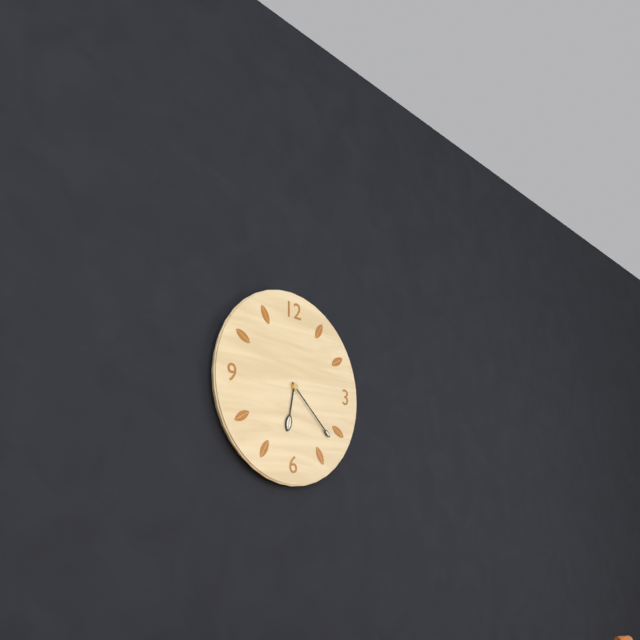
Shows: 6:22
